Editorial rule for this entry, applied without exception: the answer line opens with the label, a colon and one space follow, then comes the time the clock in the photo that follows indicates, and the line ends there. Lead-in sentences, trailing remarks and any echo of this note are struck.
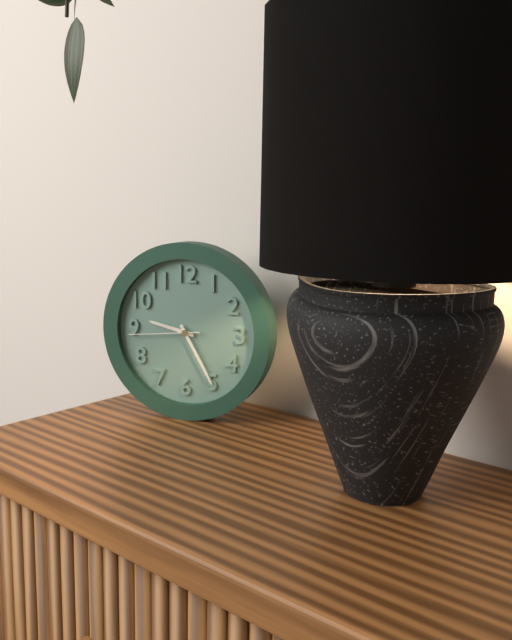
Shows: 9:25:44
